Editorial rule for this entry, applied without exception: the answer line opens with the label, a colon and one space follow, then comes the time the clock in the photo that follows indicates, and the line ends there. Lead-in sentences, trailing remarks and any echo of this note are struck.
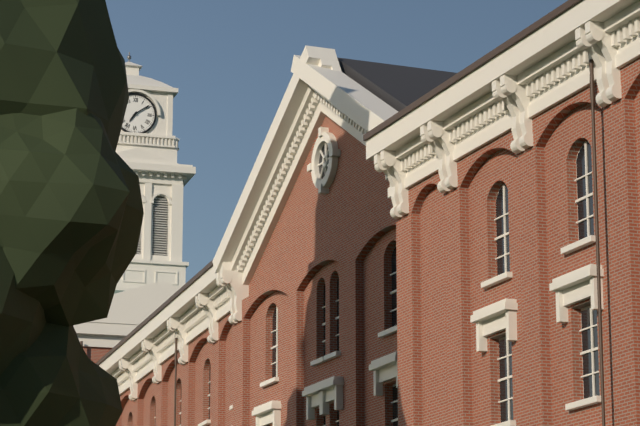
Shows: 7:09
